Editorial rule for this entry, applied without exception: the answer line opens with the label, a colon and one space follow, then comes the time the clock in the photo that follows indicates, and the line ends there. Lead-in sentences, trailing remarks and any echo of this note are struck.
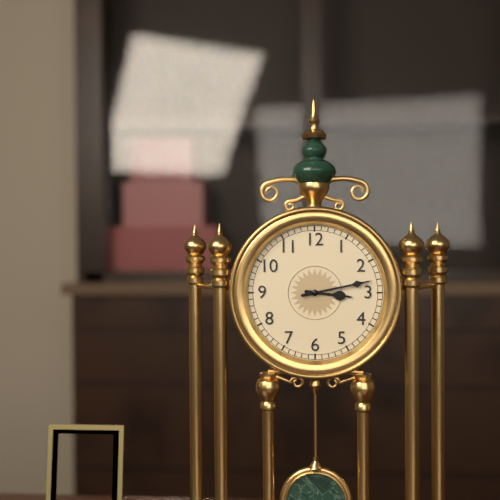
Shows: 3:13
